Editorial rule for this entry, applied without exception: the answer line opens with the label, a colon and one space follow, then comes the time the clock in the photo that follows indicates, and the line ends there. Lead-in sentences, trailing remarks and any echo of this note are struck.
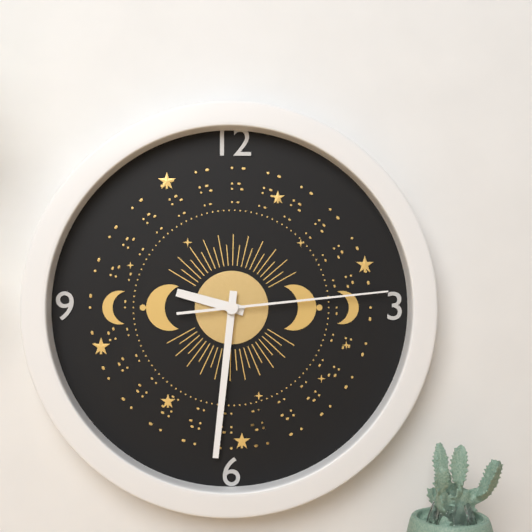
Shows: 9:31:14
